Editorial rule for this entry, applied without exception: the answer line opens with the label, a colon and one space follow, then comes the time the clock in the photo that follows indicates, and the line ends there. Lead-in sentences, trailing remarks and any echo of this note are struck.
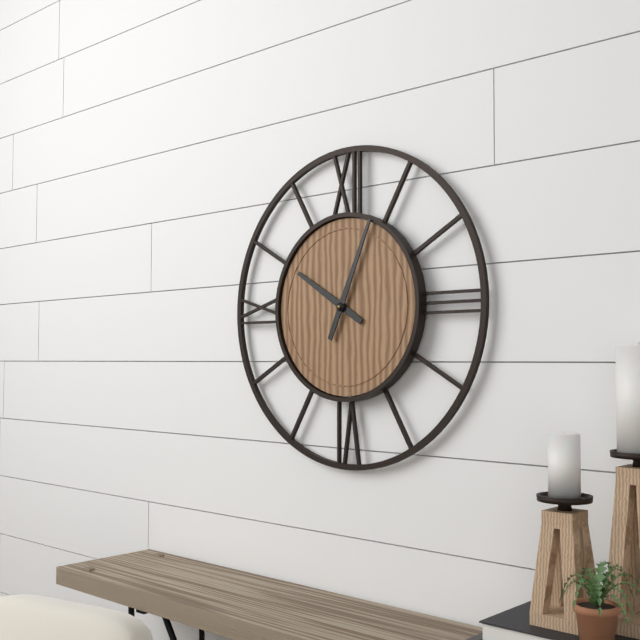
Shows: 10:04
